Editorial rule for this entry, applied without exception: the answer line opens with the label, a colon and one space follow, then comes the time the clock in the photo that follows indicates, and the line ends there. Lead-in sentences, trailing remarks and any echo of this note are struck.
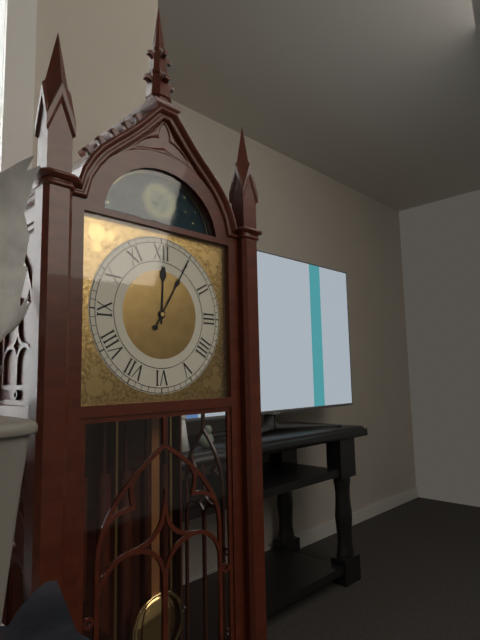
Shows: 12:05
